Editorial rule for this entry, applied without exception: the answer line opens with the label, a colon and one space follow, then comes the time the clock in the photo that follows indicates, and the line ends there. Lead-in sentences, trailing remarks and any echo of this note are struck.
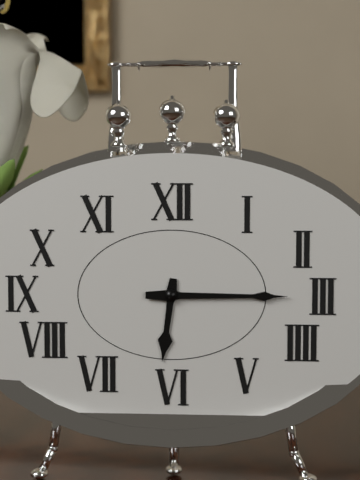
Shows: 6:15
